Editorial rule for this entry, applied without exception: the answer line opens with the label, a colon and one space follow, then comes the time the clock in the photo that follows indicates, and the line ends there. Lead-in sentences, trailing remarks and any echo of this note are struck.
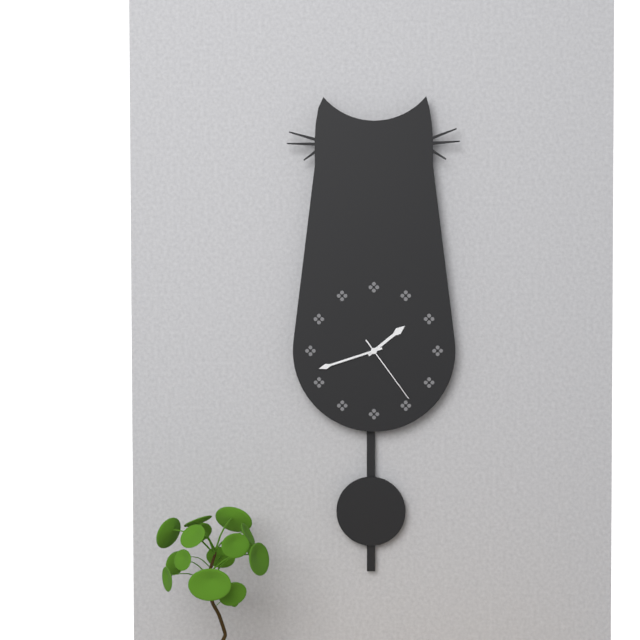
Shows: 1:42:24
